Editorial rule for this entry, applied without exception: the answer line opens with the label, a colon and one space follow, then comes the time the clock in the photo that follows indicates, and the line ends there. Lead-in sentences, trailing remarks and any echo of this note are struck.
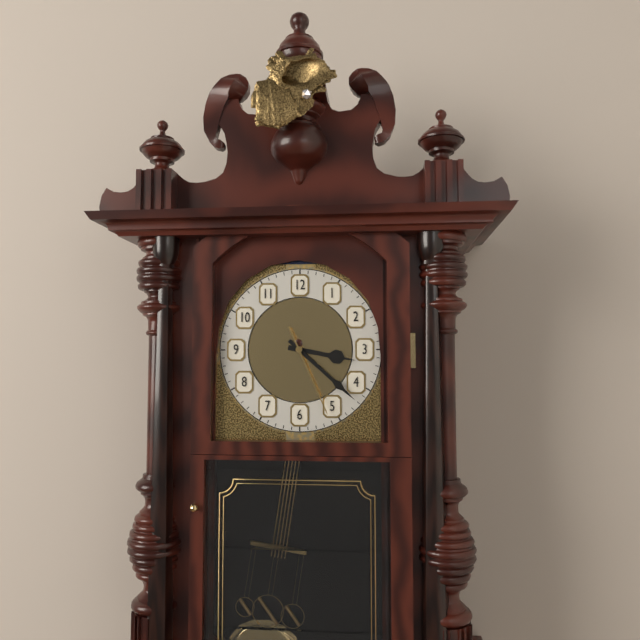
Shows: 3:22:26
